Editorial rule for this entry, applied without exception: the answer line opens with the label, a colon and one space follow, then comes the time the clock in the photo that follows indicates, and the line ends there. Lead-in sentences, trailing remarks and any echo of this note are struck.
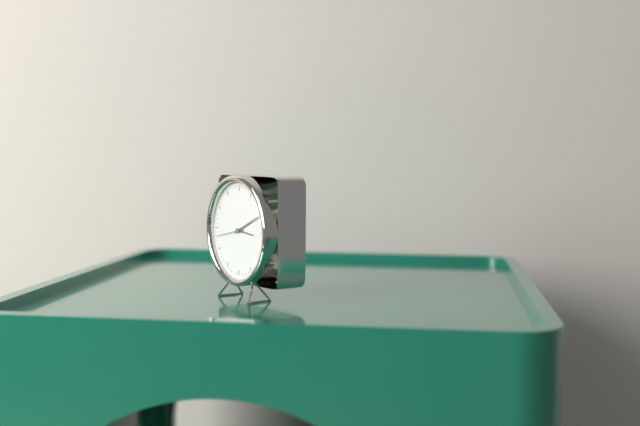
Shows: 3:11
